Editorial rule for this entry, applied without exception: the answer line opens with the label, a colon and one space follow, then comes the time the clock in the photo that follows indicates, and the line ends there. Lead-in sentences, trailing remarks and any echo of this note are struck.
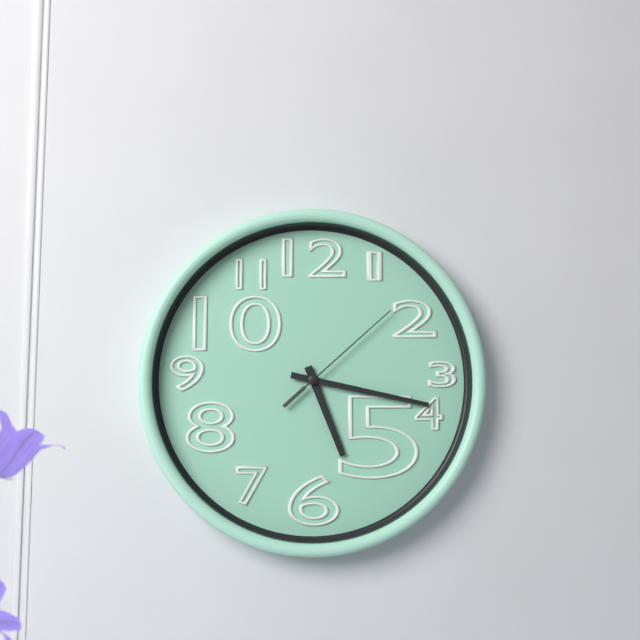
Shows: 5:17:08
